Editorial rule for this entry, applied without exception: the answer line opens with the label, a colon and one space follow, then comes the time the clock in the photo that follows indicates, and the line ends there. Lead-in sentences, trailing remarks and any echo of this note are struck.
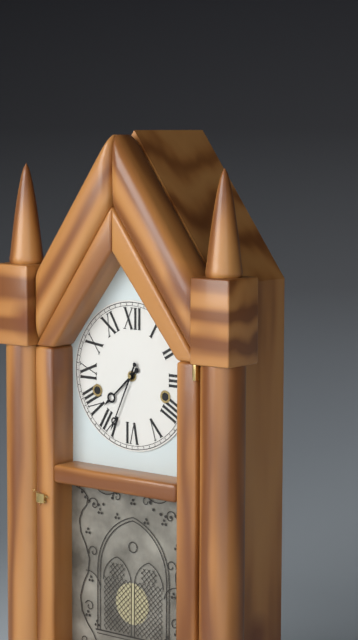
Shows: 7:34
